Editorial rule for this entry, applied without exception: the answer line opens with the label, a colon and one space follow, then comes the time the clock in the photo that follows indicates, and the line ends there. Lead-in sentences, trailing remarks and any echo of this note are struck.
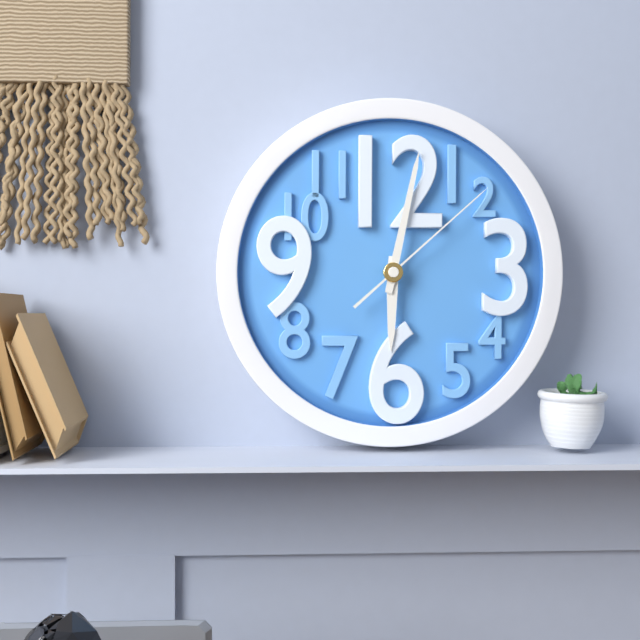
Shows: 6:02:08
